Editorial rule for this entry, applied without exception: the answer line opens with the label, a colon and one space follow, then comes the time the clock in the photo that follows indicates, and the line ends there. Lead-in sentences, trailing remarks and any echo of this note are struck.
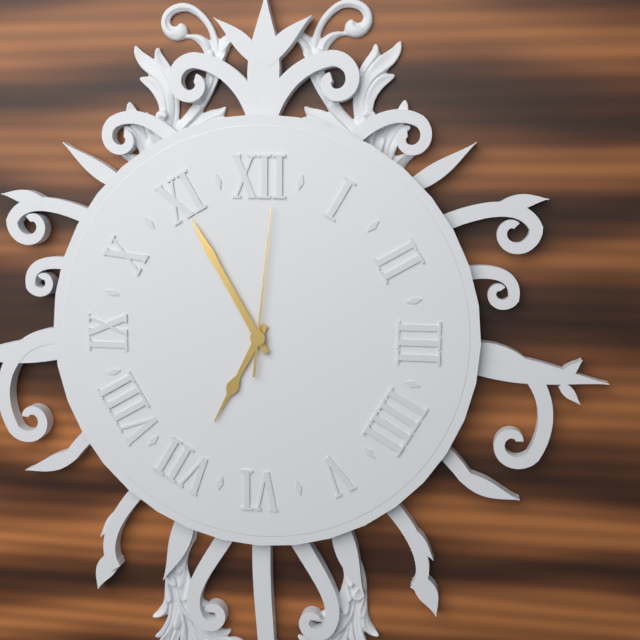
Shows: 6:55:01
